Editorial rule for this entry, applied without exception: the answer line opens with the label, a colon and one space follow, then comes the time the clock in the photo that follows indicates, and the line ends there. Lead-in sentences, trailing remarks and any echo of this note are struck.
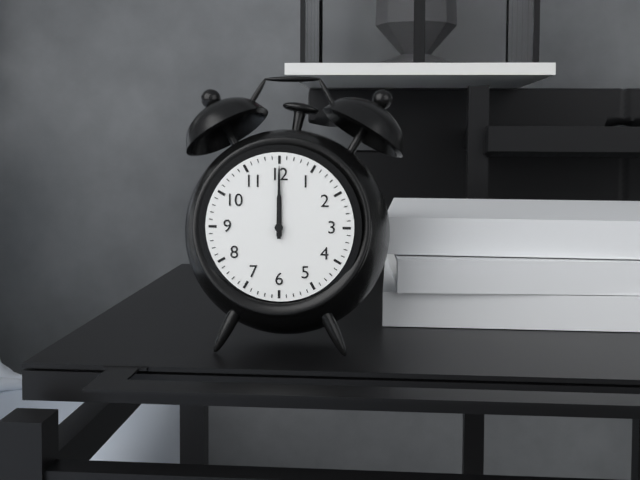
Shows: 12:00
